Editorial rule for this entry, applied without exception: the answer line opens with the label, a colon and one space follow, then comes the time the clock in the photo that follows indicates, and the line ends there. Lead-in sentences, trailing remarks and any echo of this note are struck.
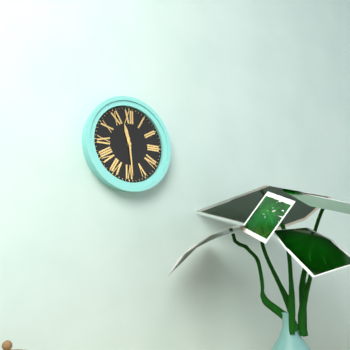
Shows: 11:29
